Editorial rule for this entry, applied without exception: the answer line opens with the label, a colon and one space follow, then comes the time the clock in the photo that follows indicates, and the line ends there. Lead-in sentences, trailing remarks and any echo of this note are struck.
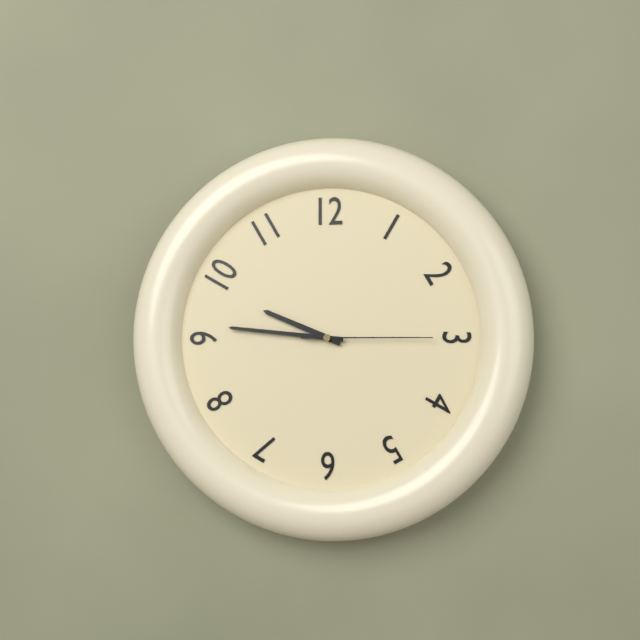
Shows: 9:46:15
